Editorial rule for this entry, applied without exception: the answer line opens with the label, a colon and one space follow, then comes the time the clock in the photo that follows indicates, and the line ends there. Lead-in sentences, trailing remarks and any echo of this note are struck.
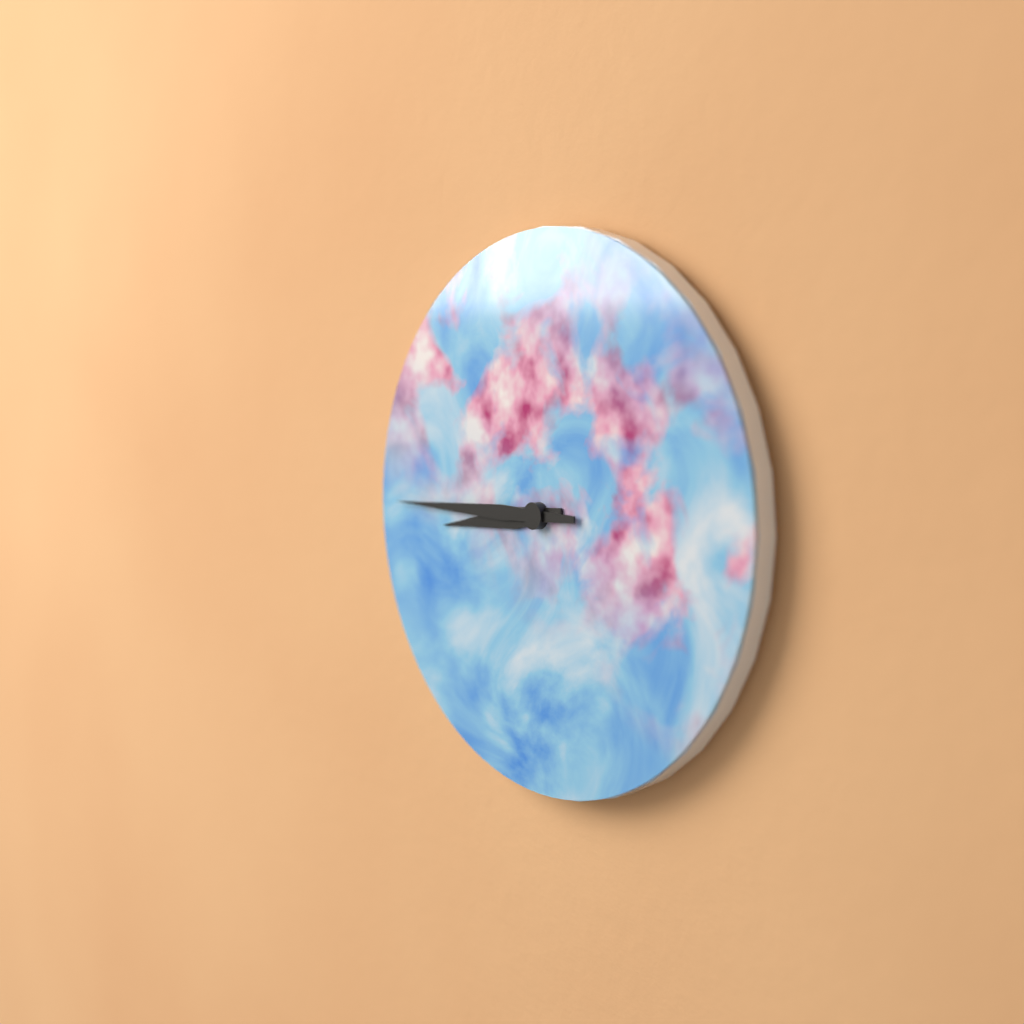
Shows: 8:45
